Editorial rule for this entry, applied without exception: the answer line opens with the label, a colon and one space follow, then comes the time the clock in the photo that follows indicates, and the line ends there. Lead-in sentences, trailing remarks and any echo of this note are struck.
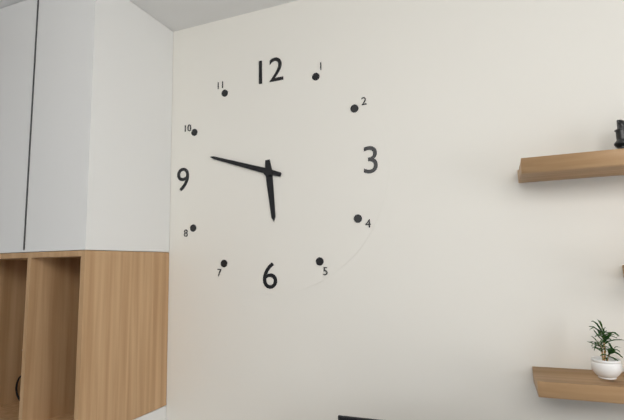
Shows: 5:48
